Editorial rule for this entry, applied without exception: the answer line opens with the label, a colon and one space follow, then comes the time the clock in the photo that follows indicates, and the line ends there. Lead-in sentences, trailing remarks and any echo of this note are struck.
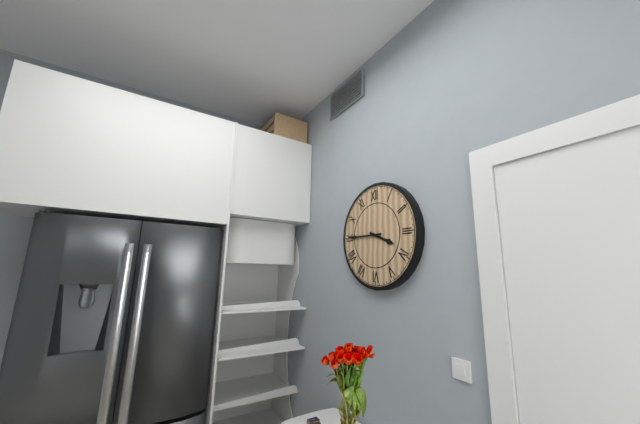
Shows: 3:45
